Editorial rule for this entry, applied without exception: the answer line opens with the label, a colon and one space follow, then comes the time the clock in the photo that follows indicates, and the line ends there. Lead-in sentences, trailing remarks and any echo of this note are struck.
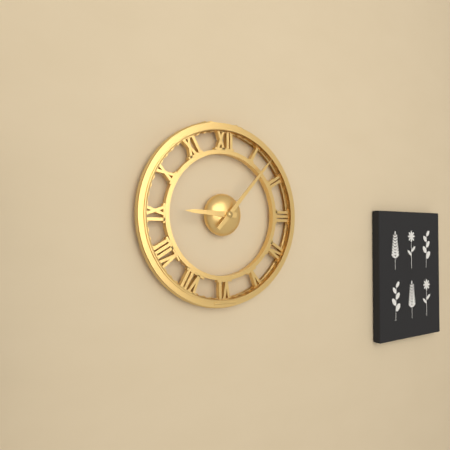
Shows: 9:07
